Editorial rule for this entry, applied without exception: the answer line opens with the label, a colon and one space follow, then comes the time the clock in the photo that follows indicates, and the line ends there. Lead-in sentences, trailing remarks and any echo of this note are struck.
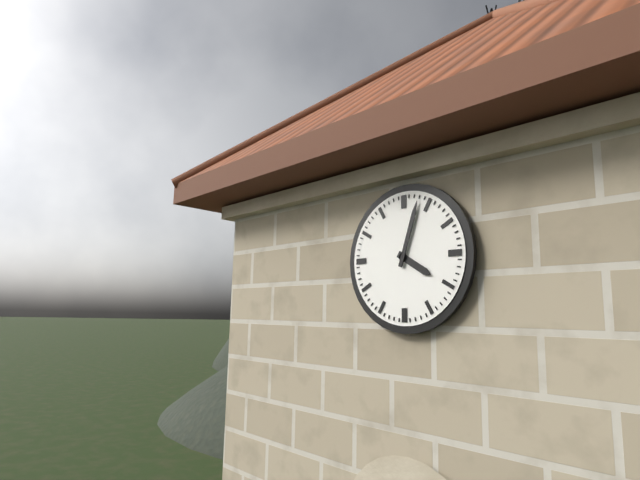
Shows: 4:03
